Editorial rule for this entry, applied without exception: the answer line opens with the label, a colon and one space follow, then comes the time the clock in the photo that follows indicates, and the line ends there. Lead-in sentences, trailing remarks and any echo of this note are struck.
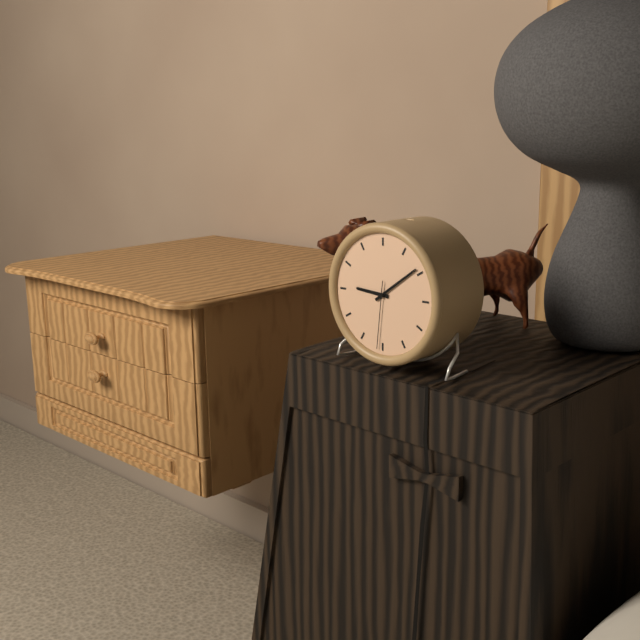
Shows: 9:09:31
